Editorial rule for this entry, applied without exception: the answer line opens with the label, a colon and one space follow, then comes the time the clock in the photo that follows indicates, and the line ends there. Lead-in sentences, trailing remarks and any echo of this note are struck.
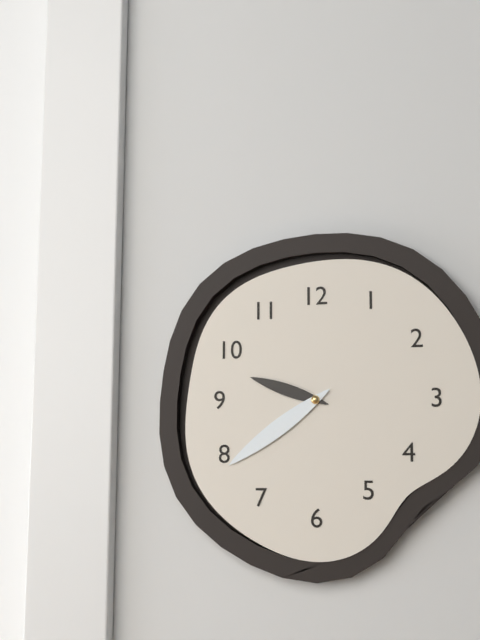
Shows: 9:39
